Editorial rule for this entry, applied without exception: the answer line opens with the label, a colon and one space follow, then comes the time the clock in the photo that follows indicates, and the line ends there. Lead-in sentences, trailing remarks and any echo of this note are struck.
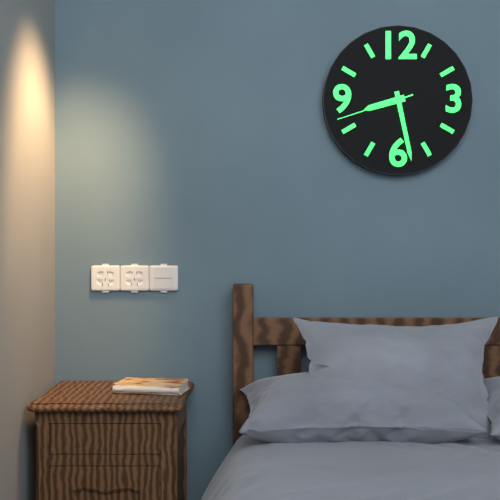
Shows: 8:28:42
